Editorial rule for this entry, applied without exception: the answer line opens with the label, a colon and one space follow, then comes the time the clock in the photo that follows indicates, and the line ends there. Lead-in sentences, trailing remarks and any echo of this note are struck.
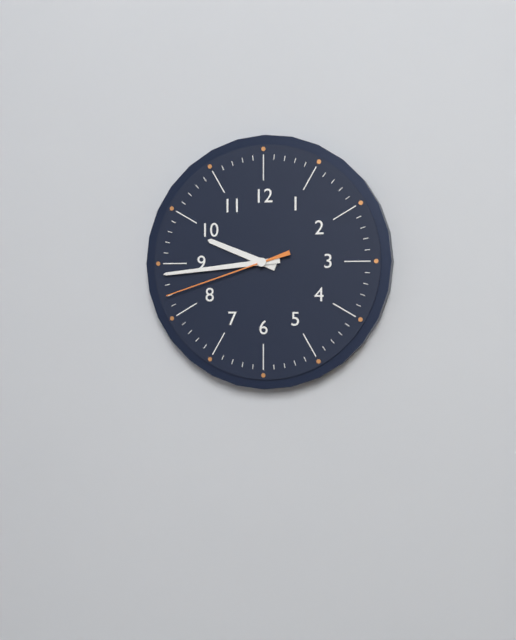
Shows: 9:44:42
